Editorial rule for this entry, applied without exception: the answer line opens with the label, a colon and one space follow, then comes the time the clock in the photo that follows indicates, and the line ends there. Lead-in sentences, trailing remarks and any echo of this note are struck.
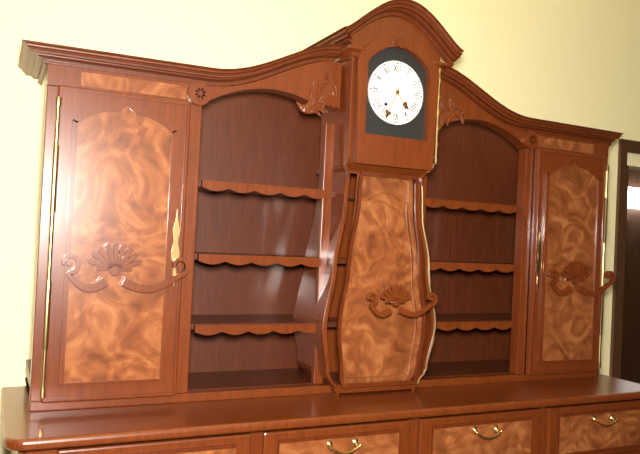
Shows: 4:34
